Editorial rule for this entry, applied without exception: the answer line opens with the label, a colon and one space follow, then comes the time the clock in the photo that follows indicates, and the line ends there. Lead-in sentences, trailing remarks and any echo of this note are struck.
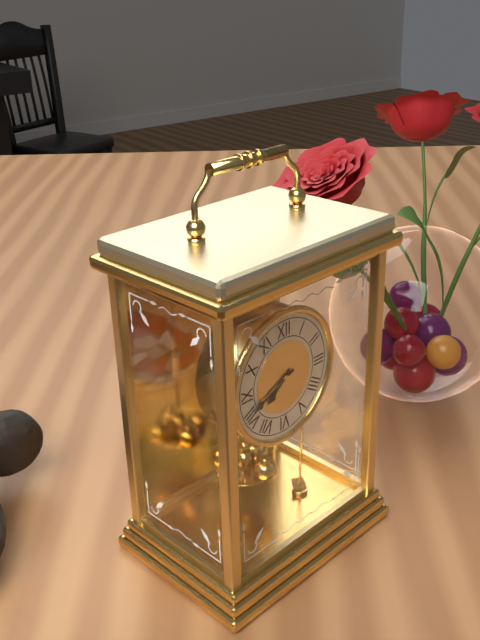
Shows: 7:41
